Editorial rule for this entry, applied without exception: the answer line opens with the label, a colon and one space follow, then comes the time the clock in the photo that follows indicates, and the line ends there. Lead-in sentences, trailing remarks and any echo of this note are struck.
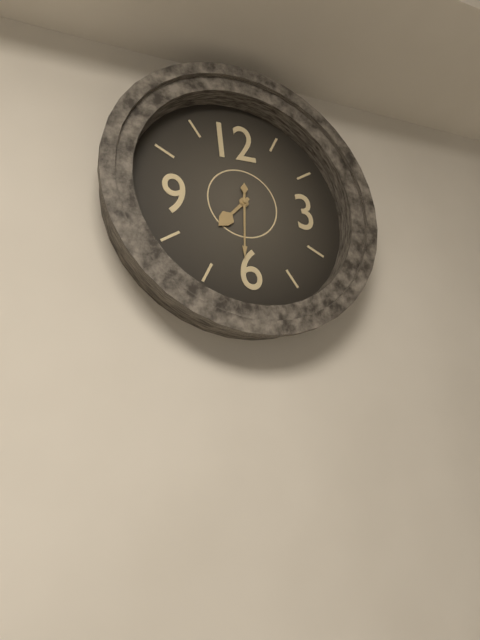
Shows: 7:31
